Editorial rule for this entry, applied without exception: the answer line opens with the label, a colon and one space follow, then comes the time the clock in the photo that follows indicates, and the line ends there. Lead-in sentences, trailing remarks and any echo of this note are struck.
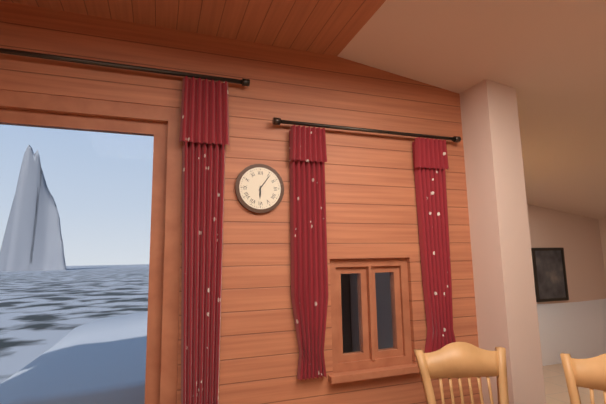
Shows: 6:06
